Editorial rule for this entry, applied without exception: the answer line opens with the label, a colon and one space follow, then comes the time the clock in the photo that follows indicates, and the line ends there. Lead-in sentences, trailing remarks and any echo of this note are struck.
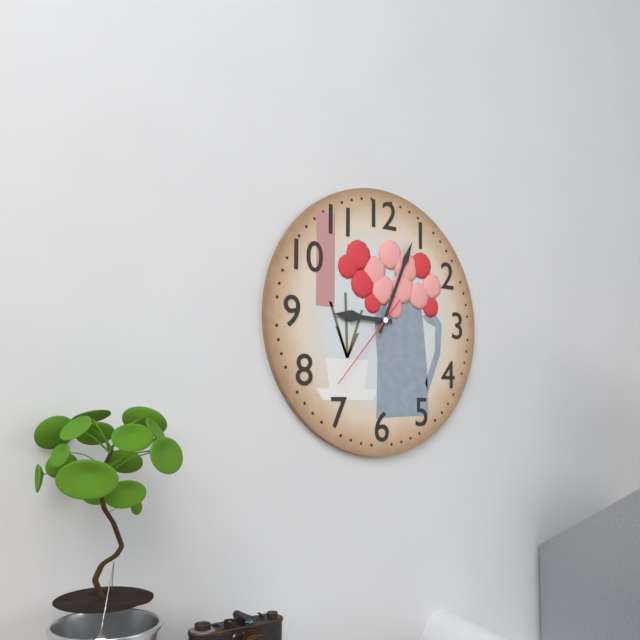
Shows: 9:04:37
